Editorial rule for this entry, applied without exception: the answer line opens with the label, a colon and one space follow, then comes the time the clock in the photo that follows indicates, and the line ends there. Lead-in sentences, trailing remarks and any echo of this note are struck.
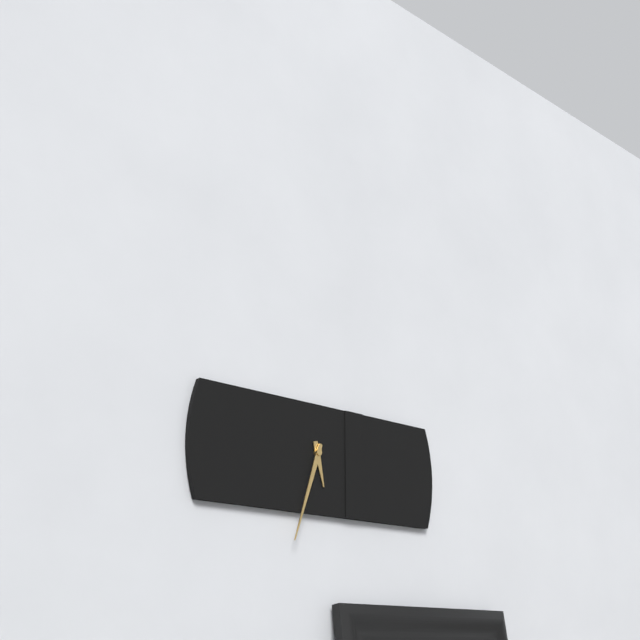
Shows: 5:33
